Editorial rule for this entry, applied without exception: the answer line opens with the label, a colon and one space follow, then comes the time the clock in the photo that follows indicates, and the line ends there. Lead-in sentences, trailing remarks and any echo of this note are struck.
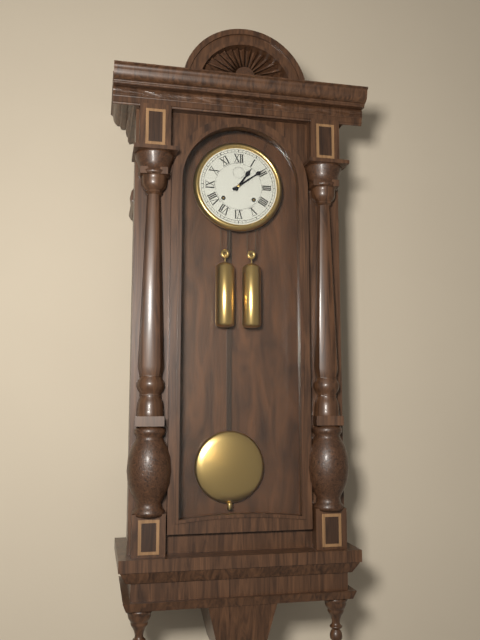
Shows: 1:09
